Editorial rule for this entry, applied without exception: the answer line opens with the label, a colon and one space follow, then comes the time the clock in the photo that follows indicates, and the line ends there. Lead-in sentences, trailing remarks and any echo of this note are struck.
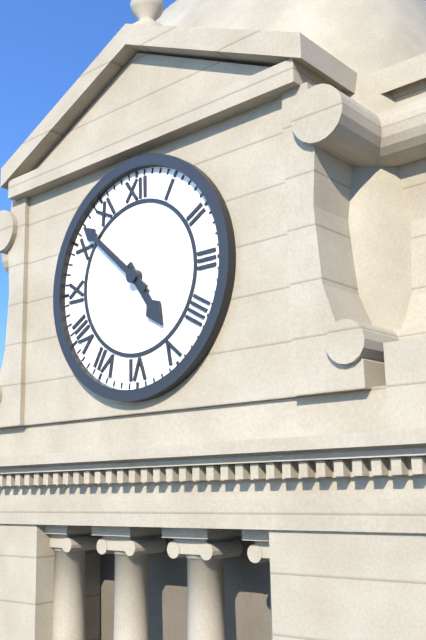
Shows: 4:52
